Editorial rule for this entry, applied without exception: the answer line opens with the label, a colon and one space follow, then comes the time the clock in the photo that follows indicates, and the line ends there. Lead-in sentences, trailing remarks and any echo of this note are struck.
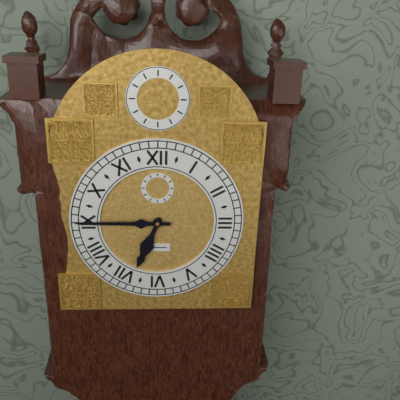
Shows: 6:45
